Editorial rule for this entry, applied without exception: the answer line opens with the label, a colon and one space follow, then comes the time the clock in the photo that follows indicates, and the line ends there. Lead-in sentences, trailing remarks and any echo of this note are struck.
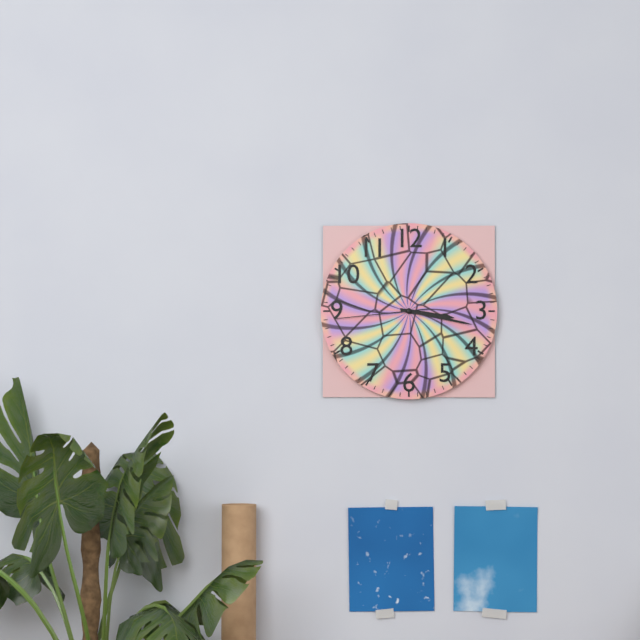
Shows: 3:17:44
